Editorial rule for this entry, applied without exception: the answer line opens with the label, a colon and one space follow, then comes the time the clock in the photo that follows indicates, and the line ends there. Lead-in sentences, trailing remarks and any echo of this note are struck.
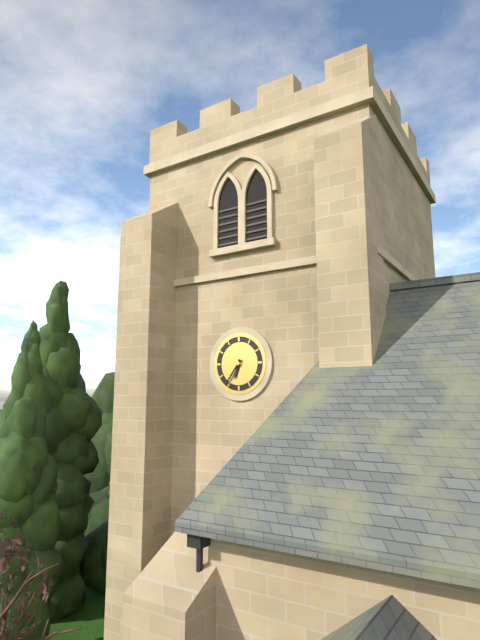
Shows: 6:36
